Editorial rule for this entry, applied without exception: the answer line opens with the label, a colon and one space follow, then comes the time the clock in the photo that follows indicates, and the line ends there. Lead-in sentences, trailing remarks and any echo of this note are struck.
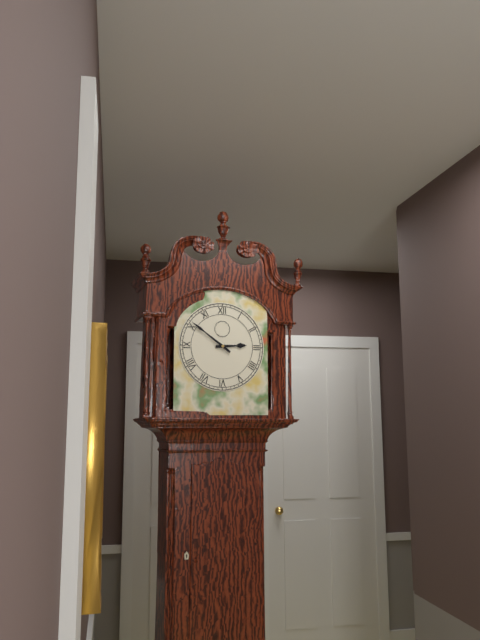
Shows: 2:51
